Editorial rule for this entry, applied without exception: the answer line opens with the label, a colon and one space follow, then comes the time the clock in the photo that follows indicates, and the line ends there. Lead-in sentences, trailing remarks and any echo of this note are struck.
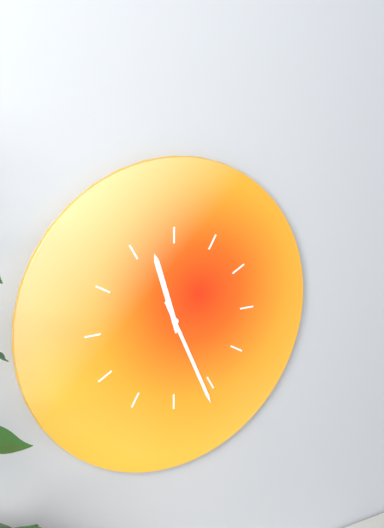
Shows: 11:26
